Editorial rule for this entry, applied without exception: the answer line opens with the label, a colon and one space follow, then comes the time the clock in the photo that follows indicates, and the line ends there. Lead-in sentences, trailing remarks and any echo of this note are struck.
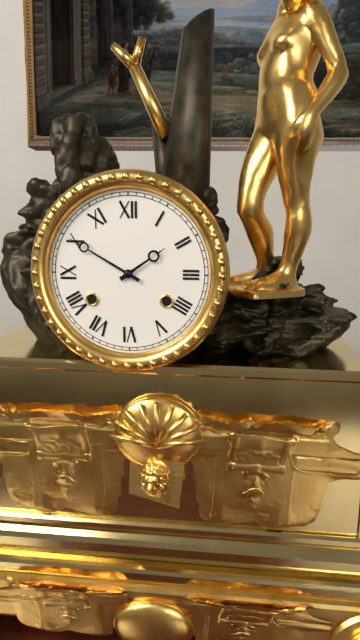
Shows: 1:50
